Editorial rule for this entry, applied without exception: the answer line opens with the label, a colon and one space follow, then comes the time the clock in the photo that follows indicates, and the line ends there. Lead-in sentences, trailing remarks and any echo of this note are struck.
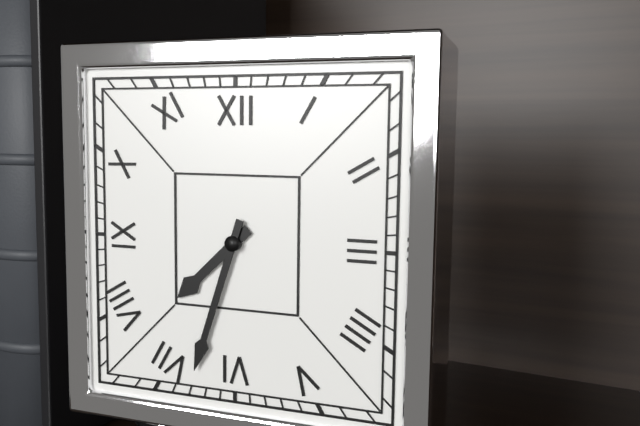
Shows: 7:33
